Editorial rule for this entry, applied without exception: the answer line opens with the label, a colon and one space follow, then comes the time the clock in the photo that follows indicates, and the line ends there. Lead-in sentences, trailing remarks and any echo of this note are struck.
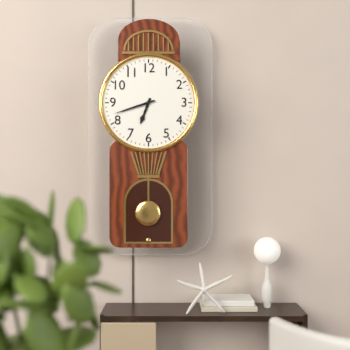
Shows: 6:42
